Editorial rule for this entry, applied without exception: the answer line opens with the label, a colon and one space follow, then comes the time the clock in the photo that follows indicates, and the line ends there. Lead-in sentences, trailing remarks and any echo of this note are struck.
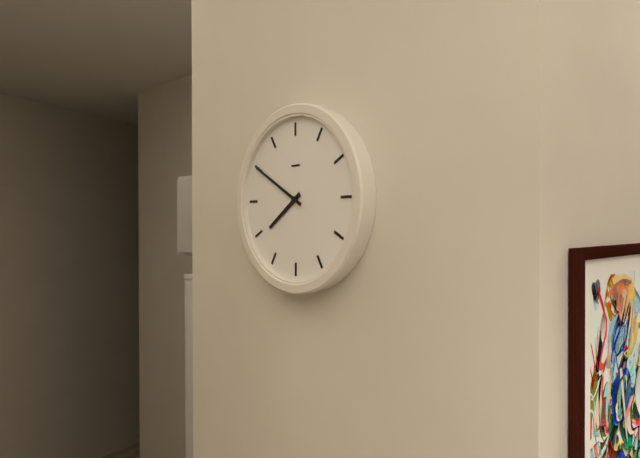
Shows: 7:50
